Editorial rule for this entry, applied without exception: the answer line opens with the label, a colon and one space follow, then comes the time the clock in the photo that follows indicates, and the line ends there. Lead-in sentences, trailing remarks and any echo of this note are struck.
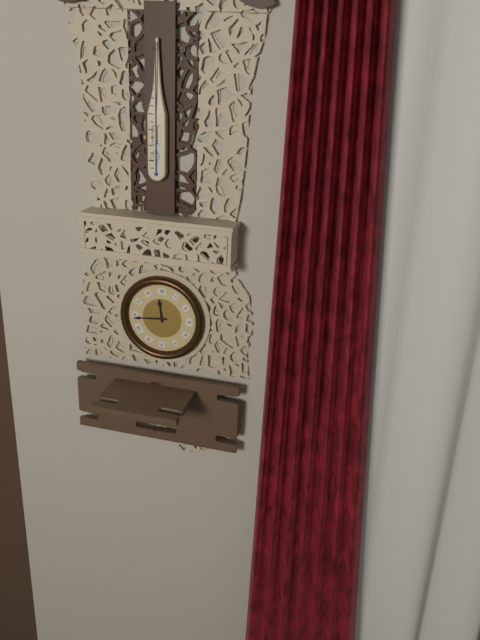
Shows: 11:44
